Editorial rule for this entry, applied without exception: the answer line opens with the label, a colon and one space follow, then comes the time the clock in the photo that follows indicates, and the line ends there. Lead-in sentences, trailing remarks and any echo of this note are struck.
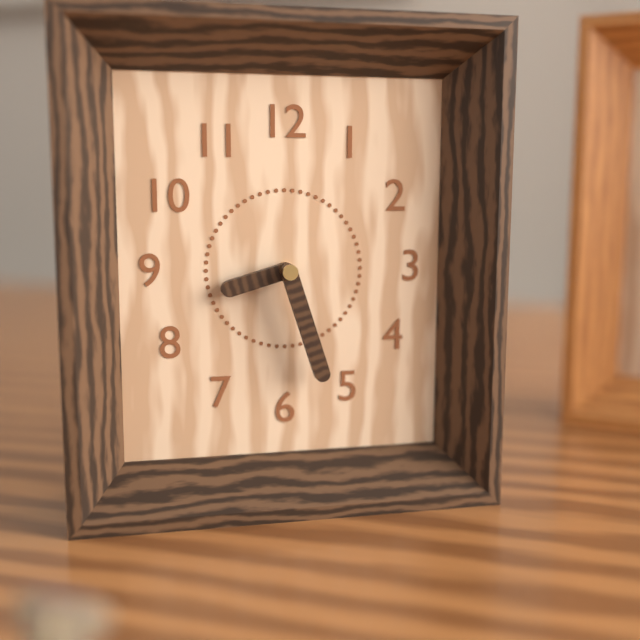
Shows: 8:27
